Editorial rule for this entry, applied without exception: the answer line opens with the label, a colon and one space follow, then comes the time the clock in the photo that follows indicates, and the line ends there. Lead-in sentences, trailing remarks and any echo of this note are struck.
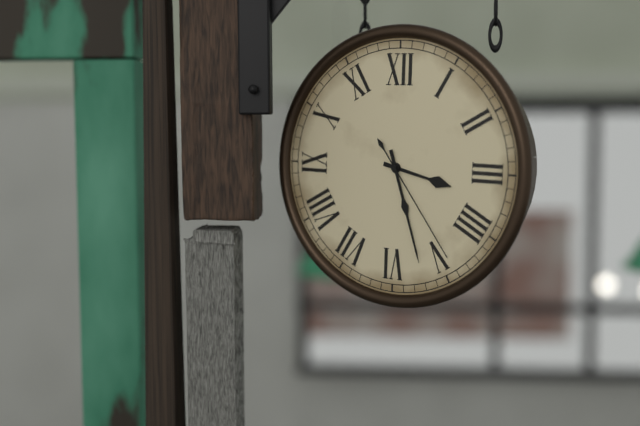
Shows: 3:27:24
